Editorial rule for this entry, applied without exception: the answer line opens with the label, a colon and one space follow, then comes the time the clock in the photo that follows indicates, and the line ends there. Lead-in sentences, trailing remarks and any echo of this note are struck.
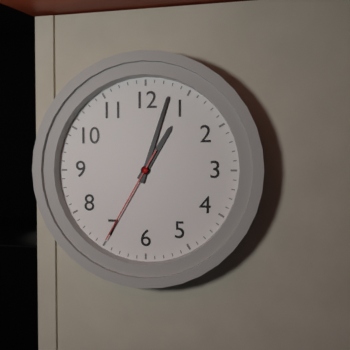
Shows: 1:03:35
